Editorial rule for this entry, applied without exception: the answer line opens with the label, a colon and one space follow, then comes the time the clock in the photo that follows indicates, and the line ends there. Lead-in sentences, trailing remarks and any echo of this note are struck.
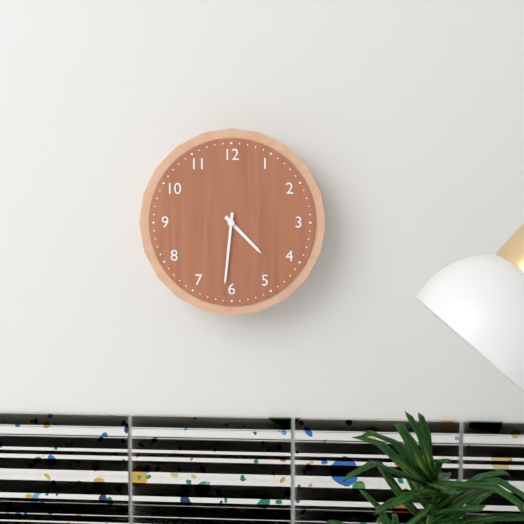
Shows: 4:31
